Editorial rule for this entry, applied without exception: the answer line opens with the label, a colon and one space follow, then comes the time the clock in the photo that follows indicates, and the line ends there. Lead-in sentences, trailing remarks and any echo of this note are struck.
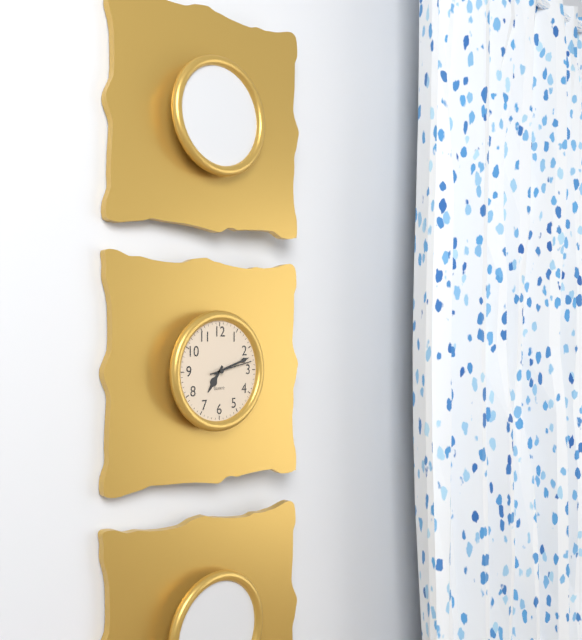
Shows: 7:12
